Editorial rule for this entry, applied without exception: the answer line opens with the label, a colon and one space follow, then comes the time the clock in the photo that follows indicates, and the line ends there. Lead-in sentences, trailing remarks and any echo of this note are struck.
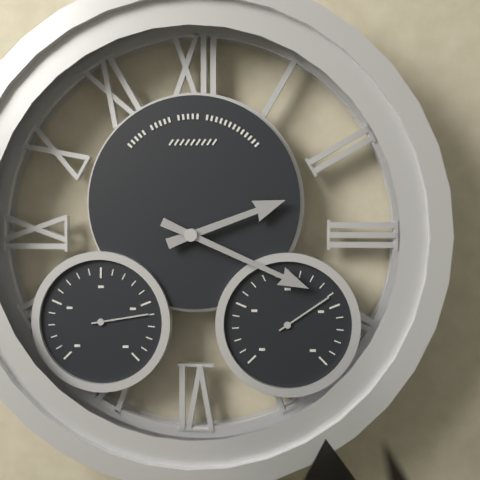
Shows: 2:19
